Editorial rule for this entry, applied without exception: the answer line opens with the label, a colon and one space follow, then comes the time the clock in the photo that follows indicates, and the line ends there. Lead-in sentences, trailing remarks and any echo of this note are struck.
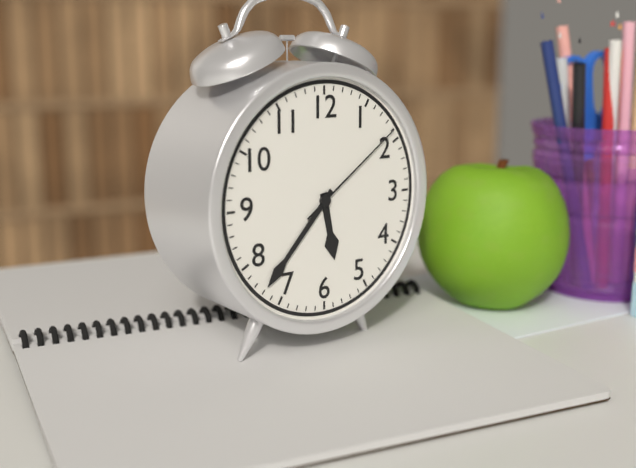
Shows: 5:37:09
